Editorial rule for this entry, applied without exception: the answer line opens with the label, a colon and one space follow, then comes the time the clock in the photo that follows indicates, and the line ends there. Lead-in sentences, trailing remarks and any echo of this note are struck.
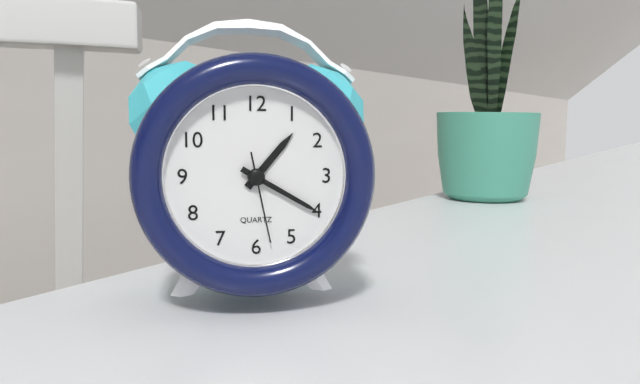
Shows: 1:20:28
